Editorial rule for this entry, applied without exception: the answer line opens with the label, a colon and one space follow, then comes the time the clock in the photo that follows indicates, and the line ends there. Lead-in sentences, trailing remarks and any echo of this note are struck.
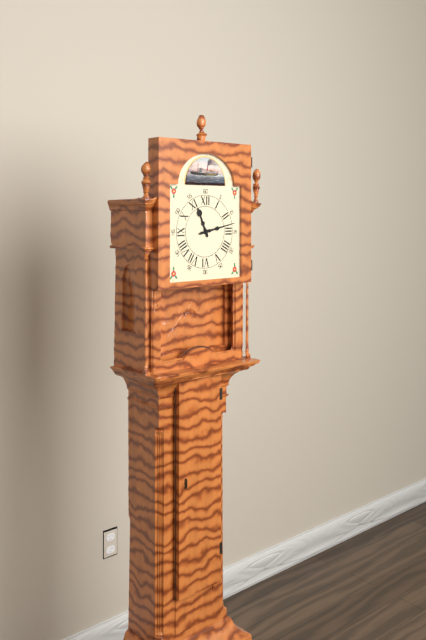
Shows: 11:13
